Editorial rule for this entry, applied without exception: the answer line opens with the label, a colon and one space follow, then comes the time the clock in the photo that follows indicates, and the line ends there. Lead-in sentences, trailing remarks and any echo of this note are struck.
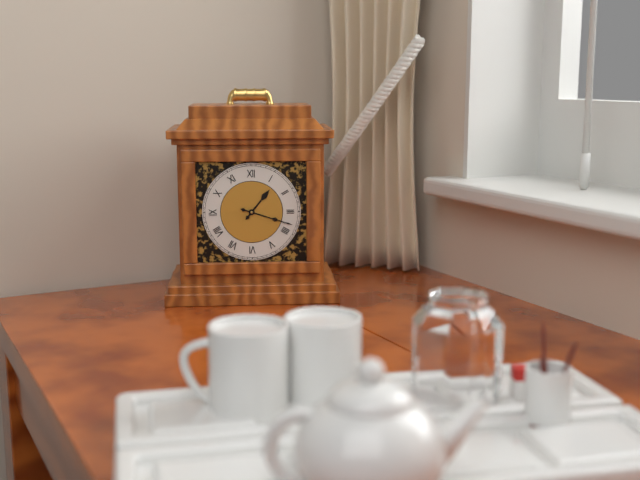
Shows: 1:18
